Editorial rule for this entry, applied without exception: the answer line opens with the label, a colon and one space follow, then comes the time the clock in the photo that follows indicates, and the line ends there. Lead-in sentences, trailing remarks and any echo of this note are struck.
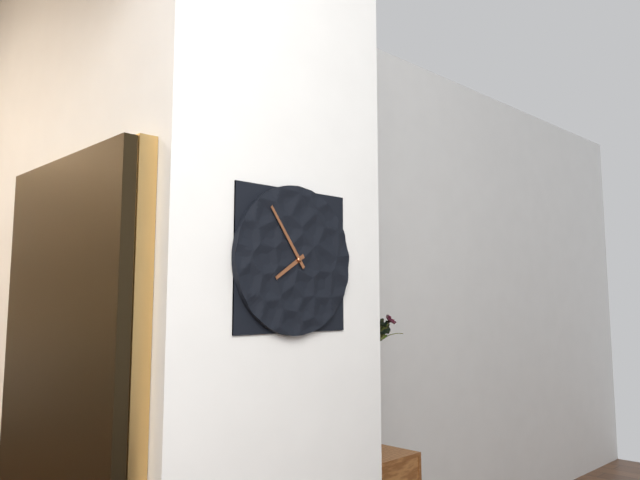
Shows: 7:54
